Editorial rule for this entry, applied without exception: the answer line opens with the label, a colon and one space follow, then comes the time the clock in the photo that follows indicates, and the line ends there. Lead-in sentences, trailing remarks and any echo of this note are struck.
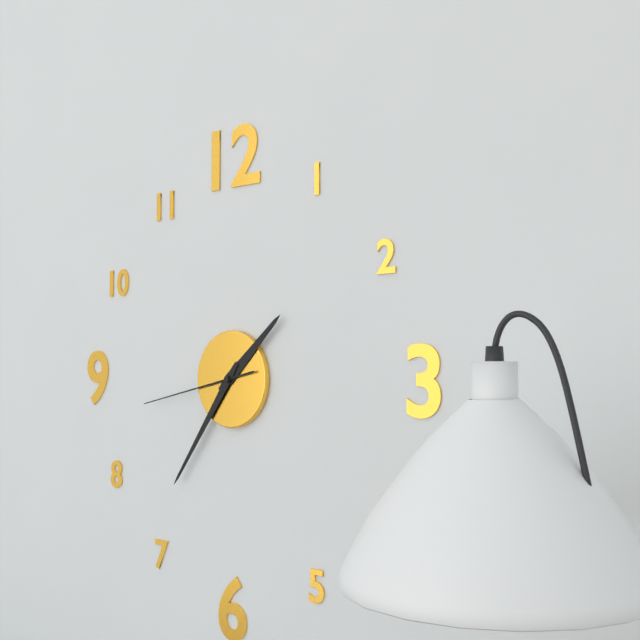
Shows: 1:36:43
